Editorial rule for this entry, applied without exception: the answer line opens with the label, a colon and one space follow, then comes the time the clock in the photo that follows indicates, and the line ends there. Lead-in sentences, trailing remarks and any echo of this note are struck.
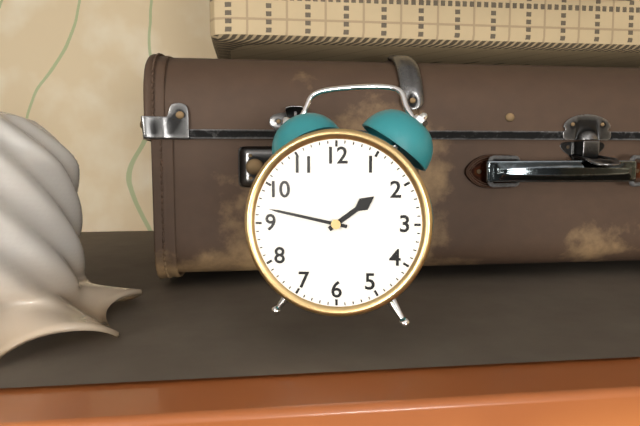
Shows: 1:47
